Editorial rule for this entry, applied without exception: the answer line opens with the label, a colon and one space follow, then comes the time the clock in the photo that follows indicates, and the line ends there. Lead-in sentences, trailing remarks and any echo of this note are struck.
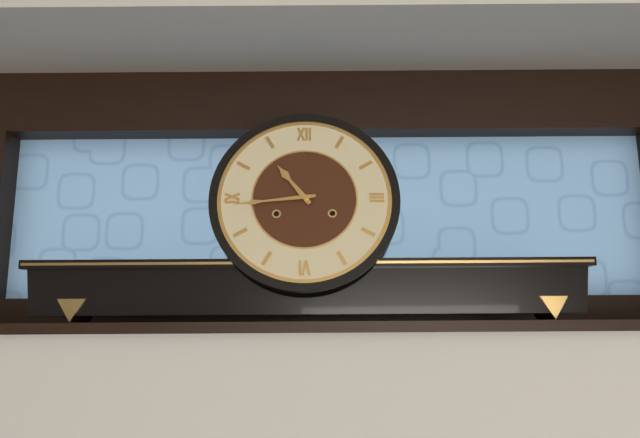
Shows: 10:44
